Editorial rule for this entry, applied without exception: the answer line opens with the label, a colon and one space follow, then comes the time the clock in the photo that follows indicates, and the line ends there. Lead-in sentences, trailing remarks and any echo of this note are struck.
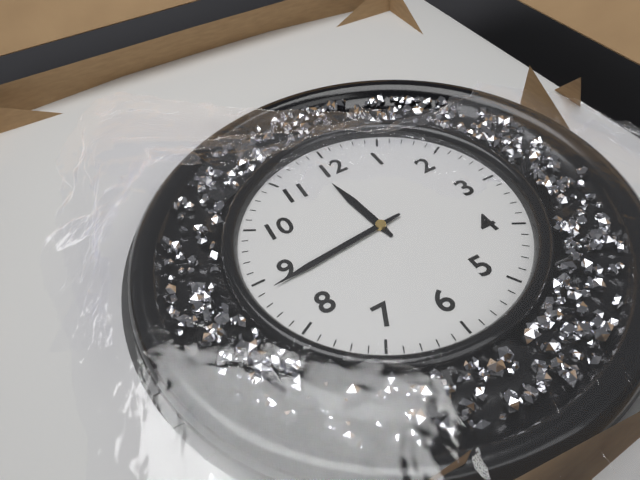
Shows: 11:44
